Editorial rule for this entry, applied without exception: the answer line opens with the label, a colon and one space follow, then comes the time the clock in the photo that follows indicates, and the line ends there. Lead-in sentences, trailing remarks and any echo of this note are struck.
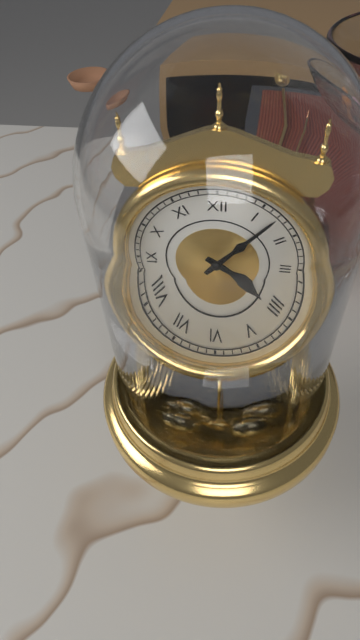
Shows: 4:07
